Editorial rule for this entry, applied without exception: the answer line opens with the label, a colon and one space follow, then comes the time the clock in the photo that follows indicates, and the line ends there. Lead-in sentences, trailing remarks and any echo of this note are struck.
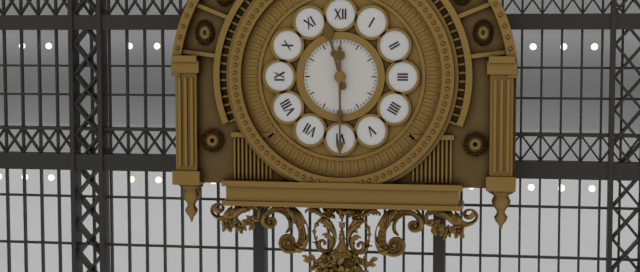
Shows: 11:30
